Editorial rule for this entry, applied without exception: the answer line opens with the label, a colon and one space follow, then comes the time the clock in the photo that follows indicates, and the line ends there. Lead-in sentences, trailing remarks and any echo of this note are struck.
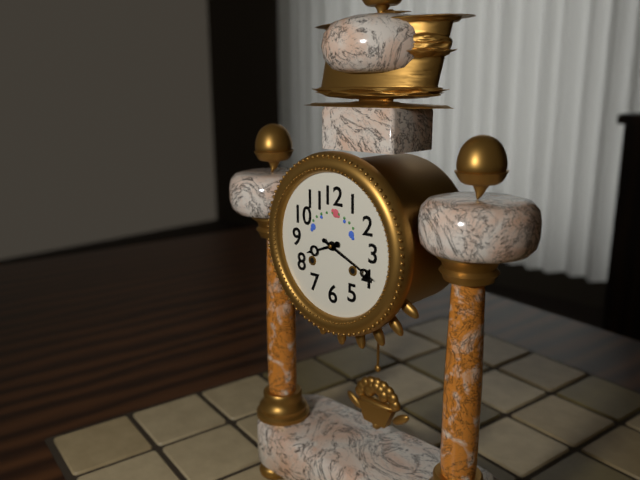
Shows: 8:19
